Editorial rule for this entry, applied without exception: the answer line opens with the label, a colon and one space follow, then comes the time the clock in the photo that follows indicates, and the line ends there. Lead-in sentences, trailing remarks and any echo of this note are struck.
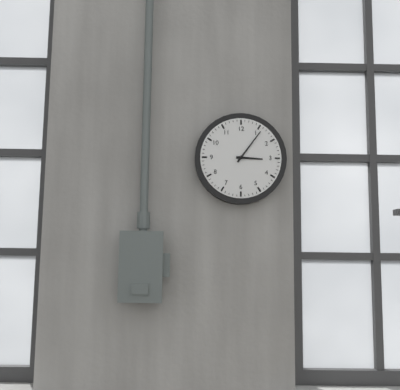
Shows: 3:06
